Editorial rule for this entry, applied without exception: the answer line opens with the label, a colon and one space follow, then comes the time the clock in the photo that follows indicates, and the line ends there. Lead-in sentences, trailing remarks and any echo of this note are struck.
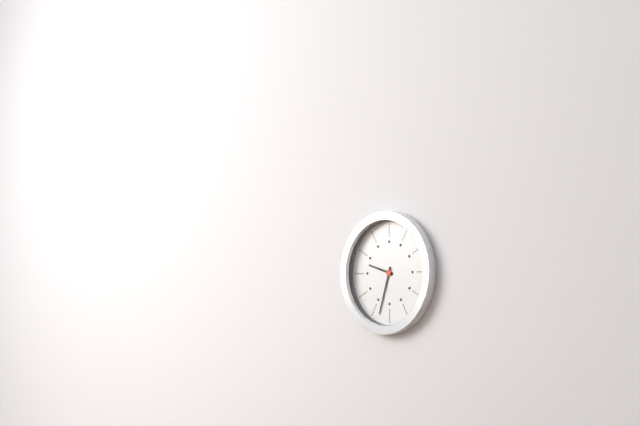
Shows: 9:33
